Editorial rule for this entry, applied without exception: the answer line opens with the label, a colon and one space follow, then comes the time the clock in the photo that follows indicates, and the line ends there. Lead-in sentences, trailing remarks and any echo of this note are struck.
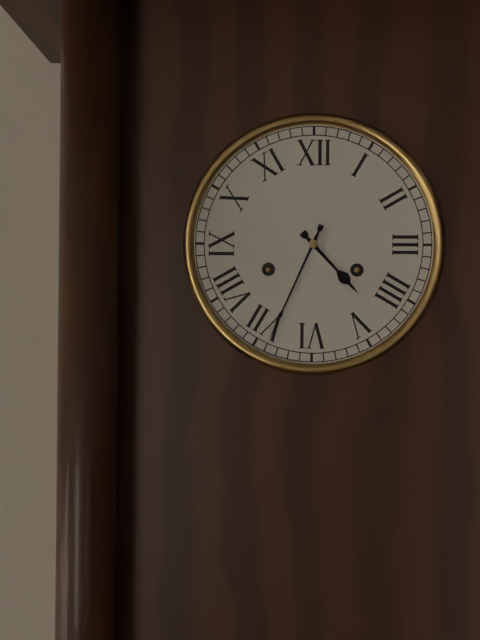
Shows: 4:34
